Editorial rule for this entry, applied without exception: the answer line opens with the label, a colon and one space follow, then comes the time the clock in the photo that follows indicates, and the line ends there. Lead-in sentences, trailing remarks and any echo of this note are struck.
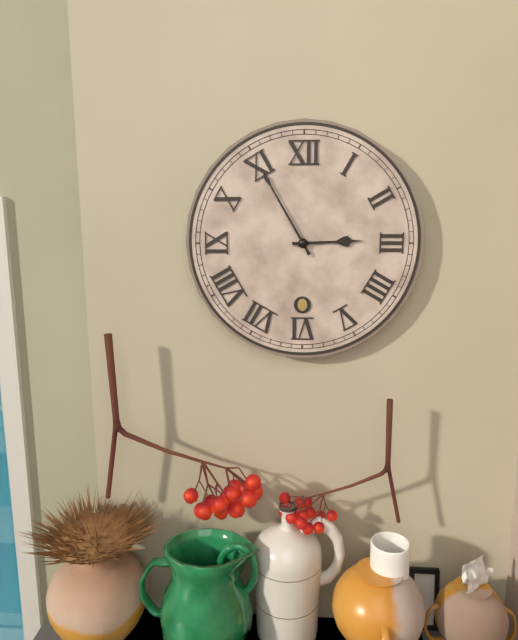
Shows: 2:55
